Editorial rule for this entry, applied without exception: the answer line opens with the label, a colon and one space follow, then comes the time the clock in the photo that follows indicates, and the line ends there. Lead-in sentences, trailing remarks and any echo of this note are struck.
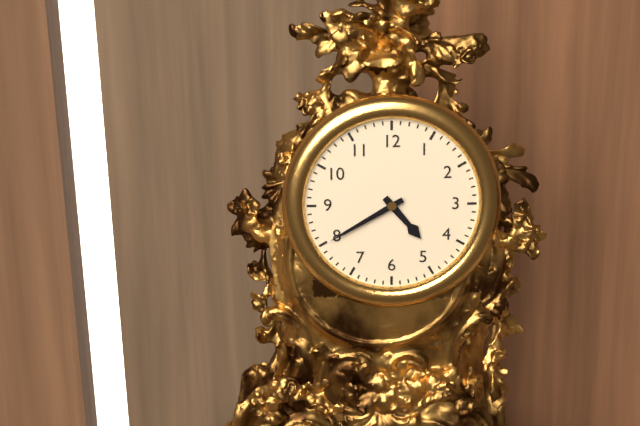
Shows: 4:40
